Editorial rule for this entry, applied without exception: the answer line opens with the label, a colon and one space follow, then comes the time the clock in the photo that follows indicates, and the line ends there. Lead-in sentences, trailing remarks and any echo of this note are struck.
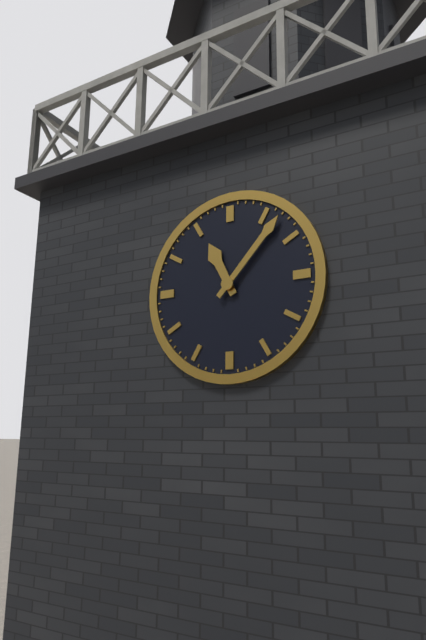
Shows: 11:07
